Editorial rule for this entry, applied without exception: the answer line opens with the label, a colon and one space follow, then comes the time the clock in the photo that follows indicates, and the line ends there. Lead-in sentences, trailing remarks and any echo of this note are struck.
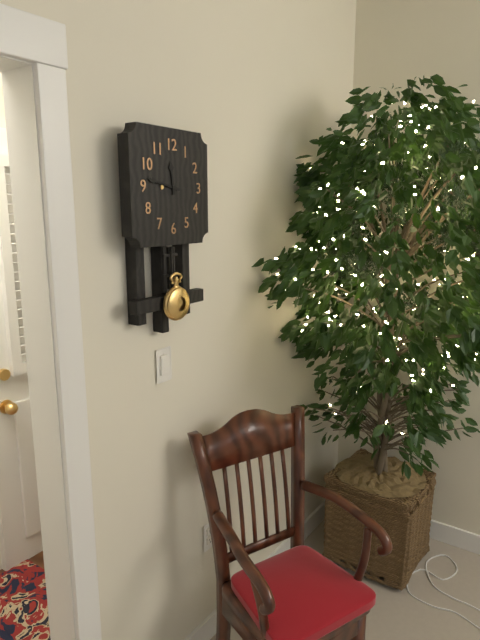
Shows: 11:47
